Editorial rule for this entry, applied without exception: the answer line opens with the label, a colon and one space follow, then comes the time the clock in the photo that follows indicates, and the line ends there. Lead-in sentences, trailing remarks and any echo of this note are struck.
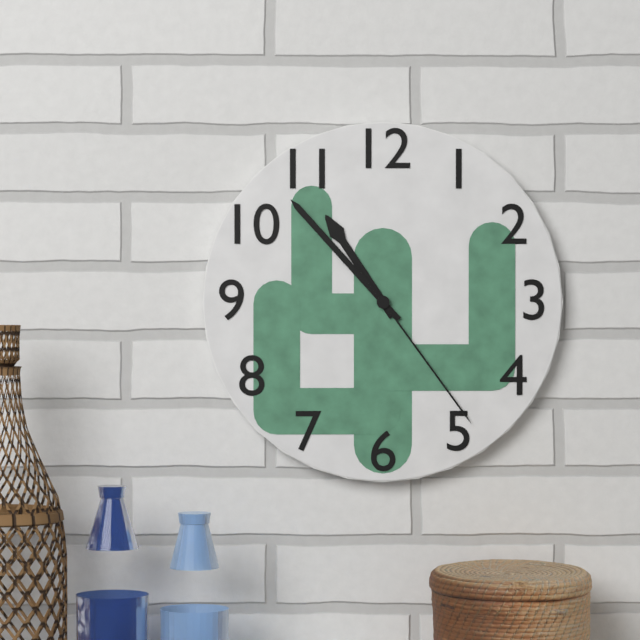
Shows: 10:53:24
